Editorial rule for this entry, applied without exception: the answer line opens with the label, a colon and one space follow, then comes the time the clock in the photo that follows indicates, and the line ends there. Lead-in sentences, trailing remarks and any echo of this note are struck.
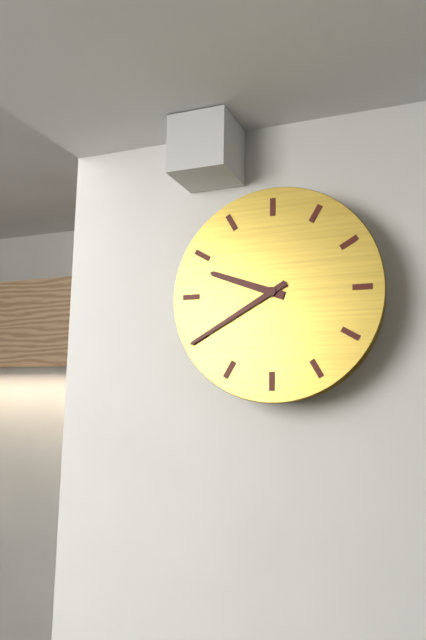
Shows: 9:40
